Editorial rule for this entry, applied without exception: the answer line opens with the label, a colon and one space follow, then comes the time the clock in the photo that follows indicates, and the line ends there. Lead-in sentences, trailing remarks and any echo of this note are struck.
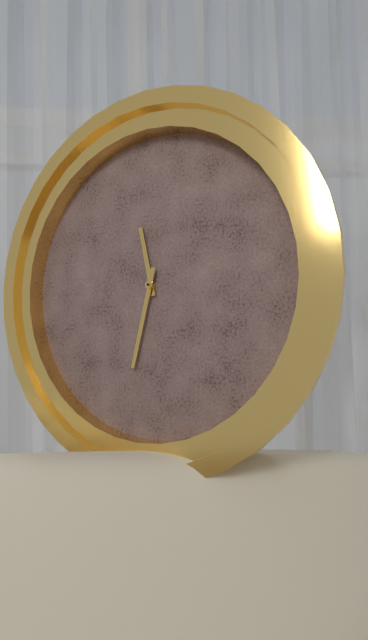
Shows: 11:32
